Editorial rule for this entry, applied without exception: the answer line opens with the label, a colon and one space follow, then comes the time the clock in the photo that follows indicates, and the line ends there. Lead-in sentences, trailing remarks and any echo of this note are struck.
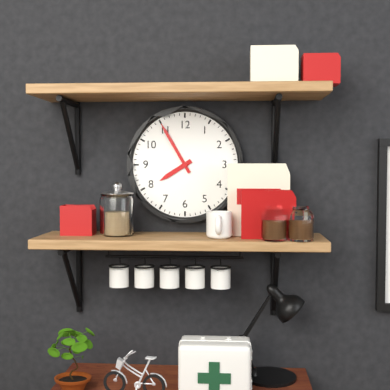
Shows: 7:55
